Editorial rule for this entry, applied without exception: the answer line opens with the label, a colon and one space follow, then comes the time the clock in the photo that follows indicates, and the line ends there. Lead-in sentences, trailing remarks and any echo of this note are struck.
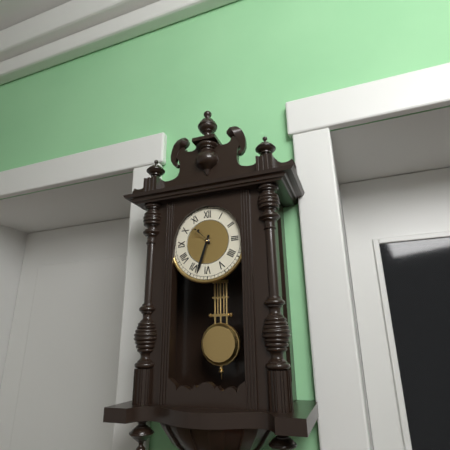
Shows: 10:33
